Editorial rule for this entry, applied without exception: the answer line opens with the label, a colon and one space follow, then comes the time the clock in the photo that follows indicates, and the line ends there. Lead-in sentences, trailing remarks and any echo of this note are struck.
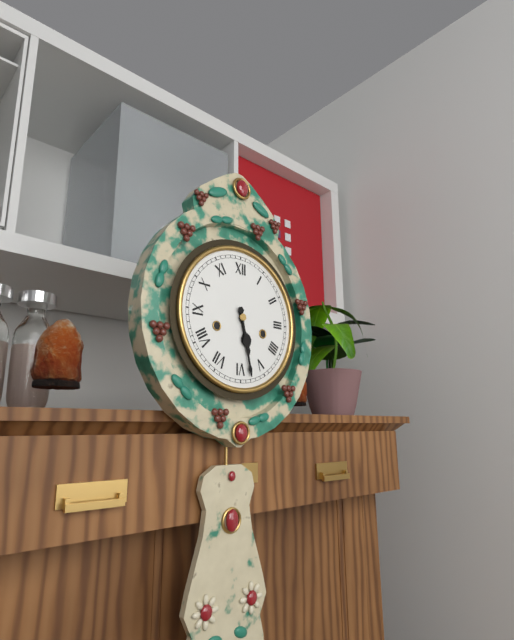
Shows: 5:28
